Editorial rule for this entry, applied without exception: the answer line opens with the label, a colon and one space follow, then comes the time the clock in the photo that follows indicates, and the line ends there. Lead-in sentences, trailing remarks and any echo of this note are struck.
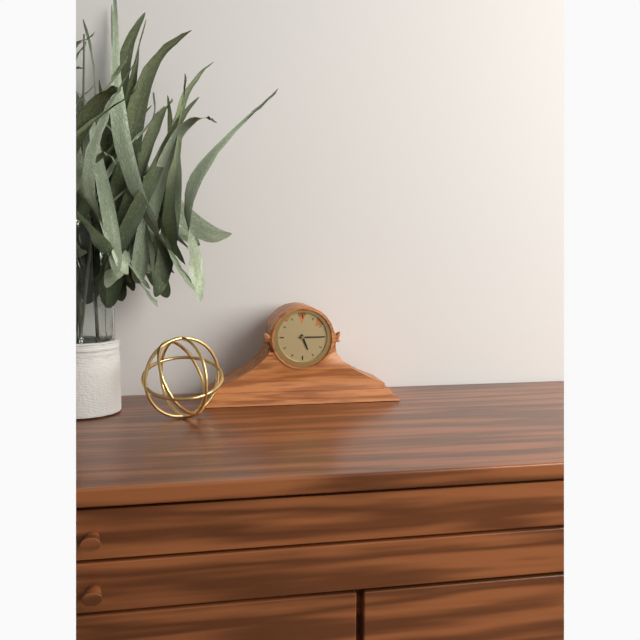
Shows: 5:15
